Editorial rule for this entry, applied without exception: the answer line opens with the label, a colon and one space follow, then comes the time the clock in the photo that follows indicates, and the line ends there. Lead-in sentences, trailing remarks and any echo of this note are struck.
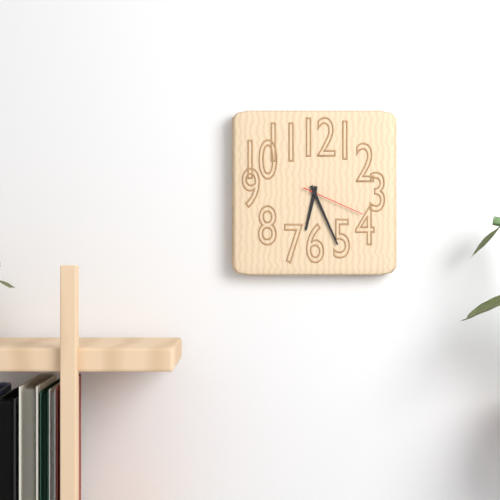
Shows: 6:26:19
